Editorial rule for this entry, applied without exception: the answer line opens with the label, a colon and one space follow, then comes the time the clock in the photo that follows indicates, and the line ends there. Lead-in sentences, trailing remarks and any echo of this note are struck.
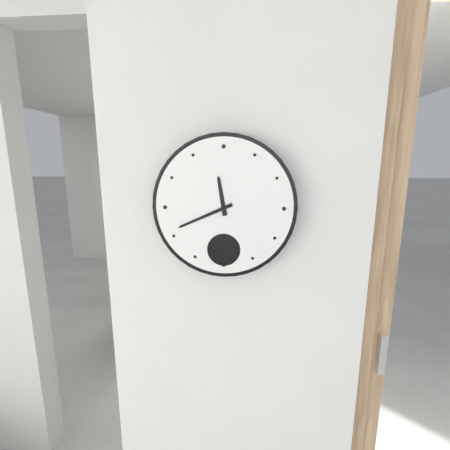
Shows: 11:41
